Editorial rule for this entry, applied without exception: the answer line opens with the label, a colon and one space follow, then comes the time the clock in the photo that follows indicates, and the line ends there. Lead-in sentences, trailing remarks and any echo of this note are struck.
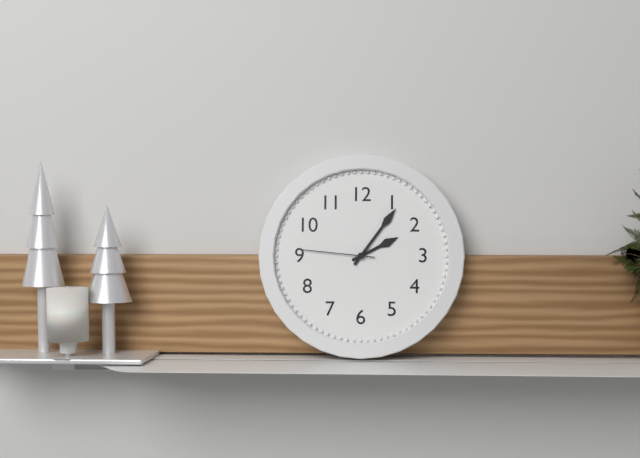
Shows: 2:06:46
